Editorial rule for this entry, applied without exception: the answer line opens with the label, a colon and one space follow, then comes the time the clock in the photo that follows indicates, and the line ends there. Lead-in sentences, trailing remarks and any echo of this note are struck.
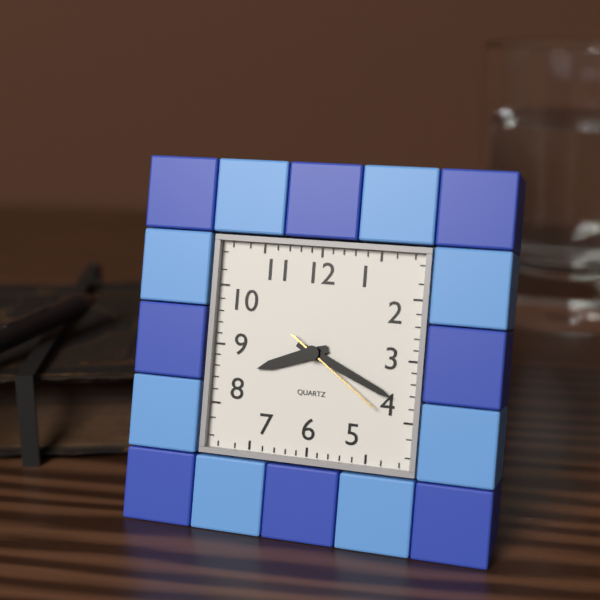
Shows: 8:19:21
